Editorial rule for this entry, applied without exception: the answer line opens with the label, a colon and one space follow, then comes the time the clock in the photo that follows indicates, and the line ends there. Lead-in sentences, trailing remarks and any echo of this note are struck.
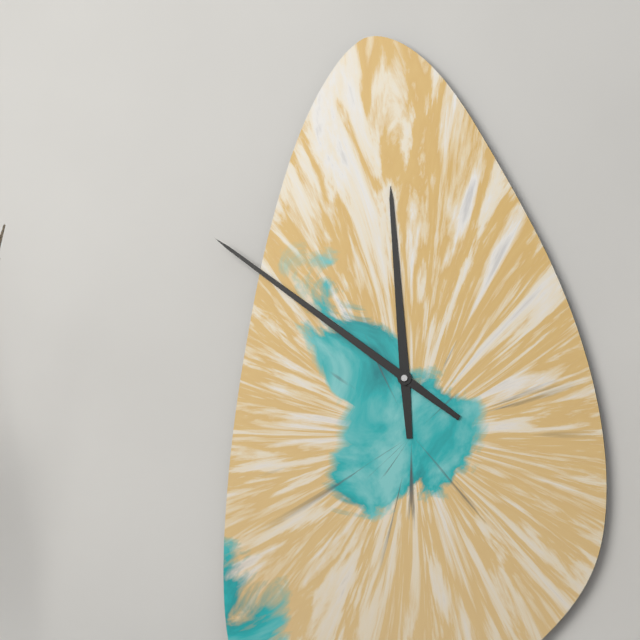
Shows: 11:51
